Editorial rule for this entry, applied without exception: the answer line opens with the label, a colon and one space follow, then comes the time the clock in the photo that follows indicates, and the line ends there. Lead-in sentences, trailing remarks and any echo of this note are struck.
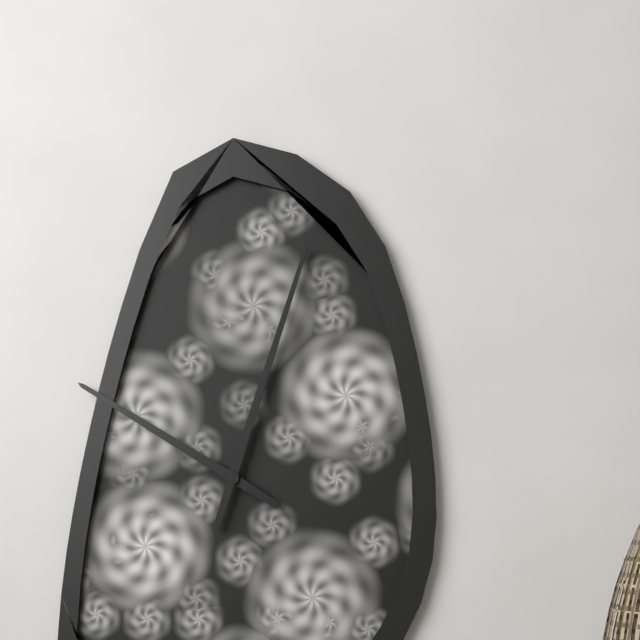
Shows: 10:03
